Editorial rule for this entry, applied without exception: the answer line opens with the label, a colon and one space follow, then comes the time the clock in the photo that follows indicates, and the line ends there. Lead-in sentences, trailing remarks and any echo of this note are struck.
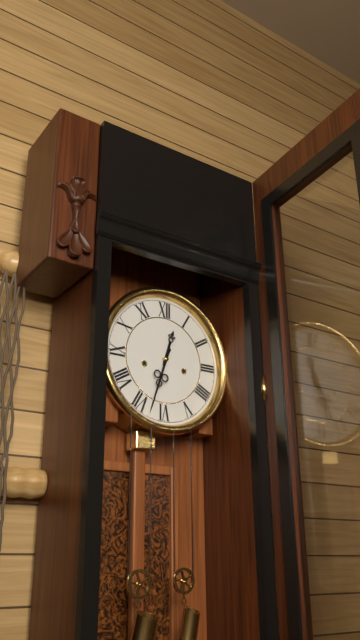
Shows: 12:33
